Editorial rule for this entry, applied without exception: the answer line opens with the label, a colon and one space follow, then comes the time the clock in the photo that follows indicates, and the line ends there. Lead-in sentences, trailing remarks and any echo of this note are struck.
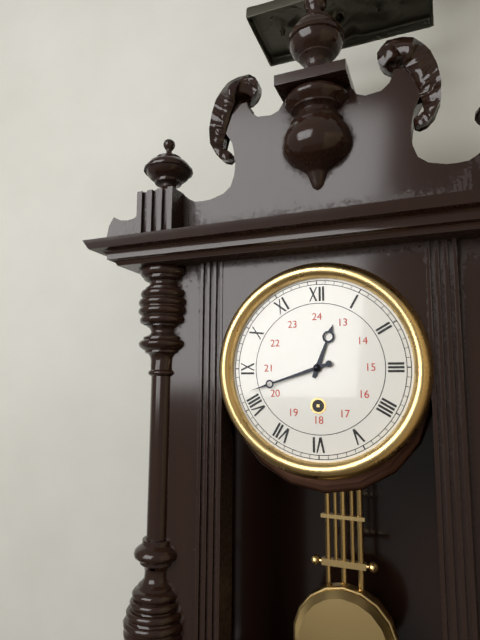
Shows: 12:42
